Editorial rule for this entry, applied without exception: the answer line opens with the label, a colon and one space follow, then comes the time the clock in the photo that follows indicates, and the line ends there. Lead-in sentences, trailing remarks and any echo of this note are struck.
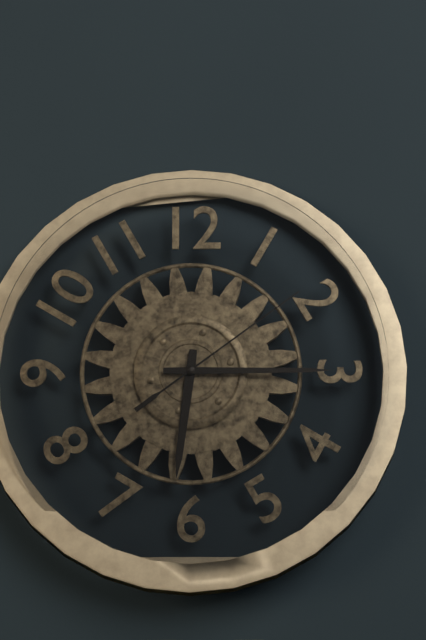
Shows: 6:15:09
